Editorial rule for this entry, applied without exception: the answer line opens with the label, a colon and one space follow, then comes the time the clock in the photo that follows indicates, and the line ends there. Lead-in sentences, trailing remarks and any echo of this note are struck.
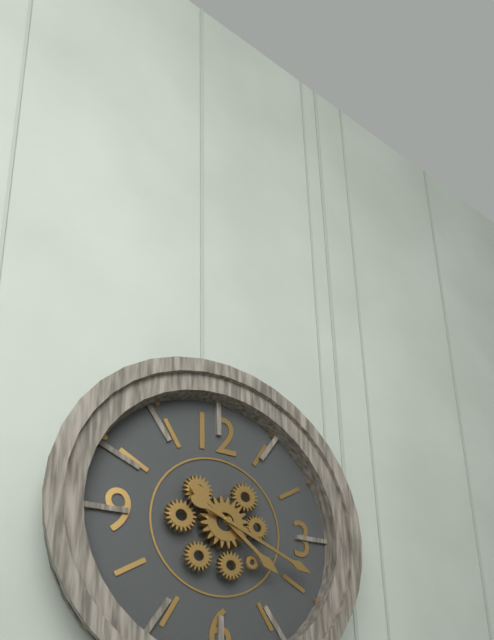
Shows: 4:19
